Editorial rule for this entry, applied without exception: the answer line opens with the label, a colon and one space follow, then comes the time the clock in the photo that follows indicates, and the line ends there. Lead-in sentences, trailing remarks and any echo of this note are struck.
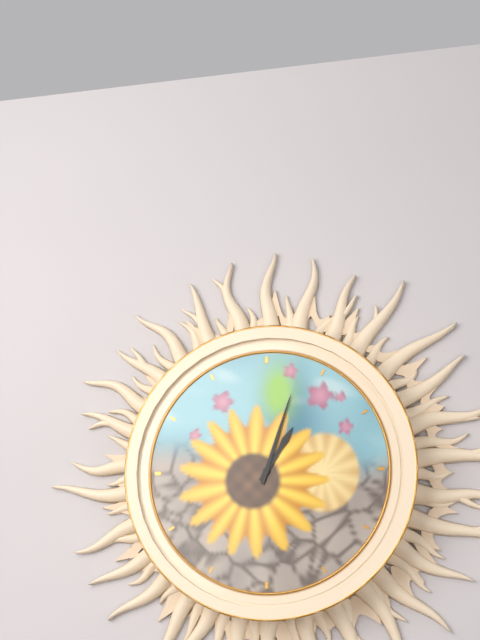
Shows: 1:03
